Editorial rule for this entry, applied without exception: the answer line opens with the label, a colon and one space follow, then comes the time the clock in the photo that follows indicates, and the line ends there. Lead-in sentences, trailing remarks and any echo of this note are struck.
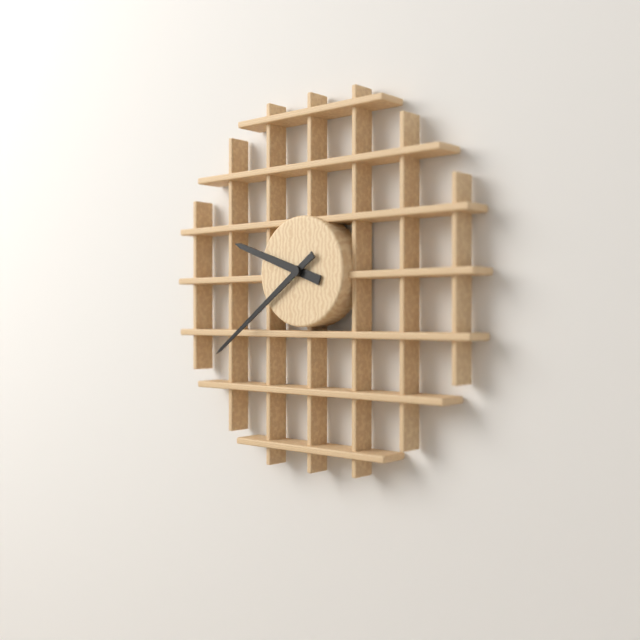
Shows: 9:39
